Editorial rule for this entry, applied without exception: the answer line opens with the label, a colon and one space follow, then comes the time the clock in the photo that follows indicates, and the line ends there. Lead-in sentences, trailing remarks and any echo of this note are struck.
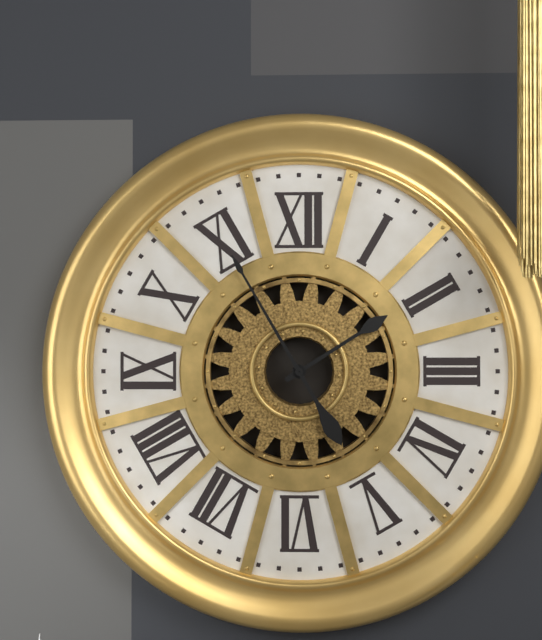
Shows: 1:55
